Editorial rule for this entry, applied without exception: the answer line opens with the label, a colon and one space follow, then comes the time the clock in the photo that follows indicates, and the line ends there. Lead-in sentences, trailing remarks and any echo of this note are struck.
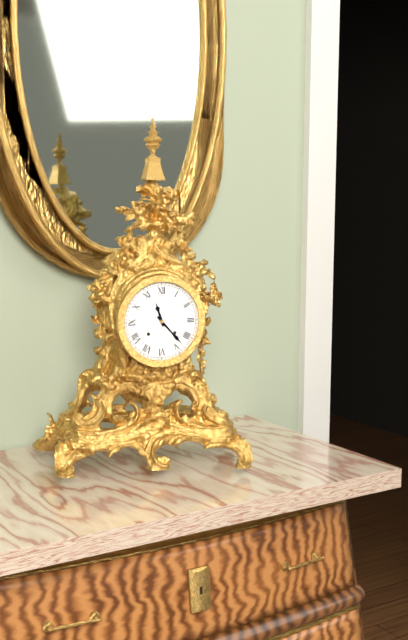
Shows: 11:23
